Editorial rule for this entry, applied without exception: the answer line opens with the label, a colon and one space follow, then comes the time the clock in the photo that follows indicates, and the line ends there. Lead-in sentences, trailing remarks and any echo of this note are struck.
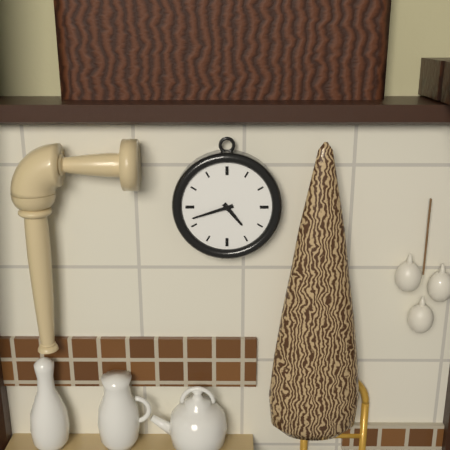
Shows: 4:42
